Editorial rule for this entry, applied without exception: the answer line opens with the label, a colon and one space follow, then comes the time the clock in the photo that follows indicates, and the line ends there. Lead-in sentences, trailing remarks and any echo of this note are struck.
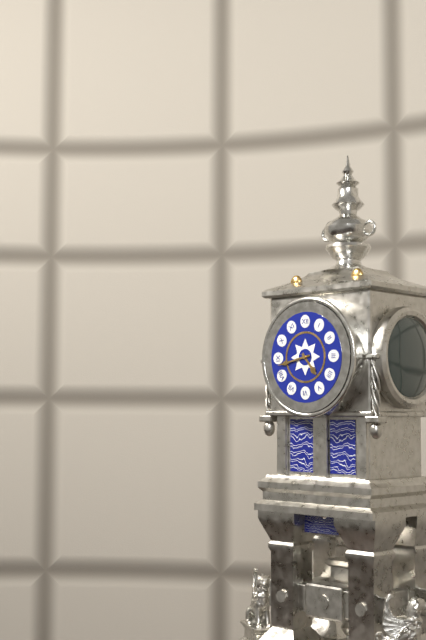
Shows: 4:43
